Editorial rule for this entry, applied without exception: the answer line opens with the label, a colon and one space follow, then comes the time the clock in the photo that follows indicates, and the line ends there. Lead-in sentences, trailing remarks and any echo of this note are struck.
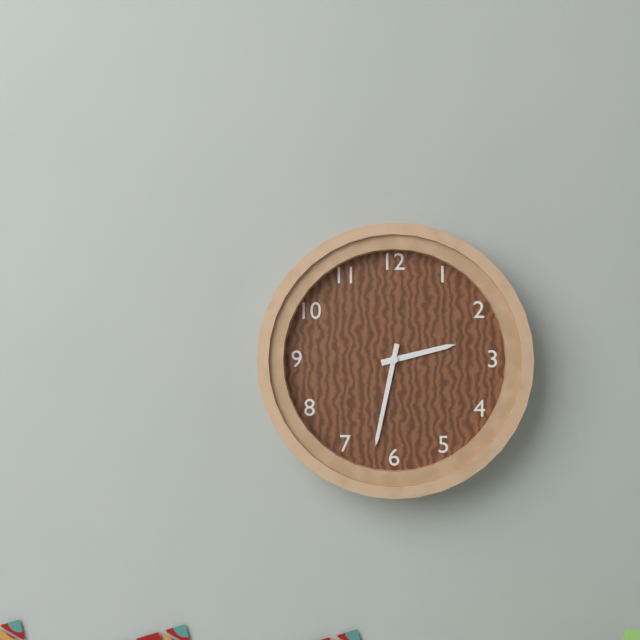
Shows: 2:32
